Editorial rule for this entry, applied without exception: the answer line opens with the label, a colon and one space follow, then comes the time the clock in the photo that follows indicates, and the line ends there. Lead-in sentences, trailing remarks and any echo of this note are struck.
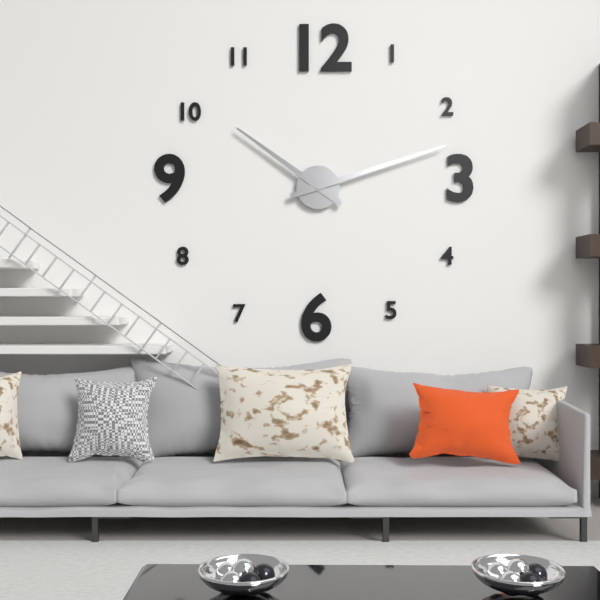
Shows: 10:12
